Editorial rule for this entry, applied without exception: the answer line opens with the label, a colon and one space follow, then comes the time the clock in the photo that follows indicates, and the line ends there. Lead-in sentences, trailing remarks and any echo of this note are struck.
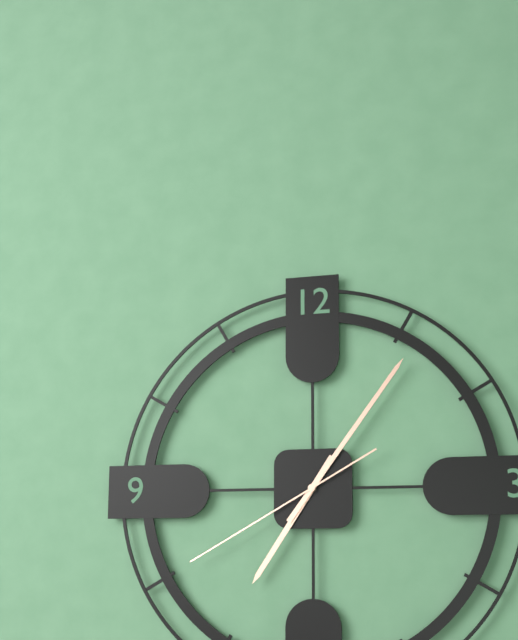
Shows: 7:06:40
